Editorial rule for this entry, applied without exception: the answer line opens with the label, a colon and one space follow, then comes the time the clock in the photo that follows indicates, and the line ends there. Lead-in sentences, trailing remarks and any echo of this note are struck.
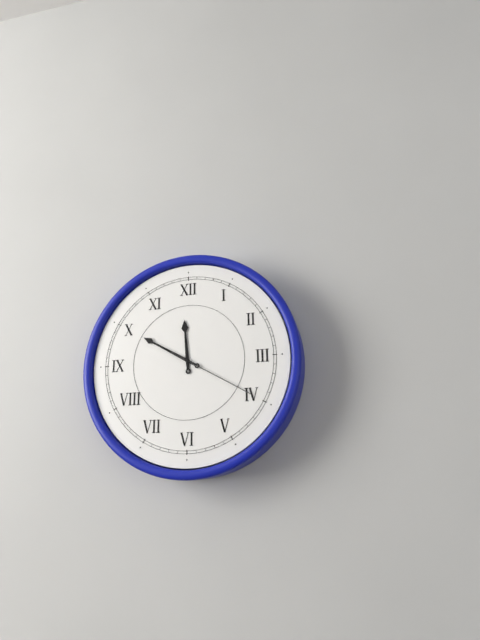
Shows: 11:50:20
